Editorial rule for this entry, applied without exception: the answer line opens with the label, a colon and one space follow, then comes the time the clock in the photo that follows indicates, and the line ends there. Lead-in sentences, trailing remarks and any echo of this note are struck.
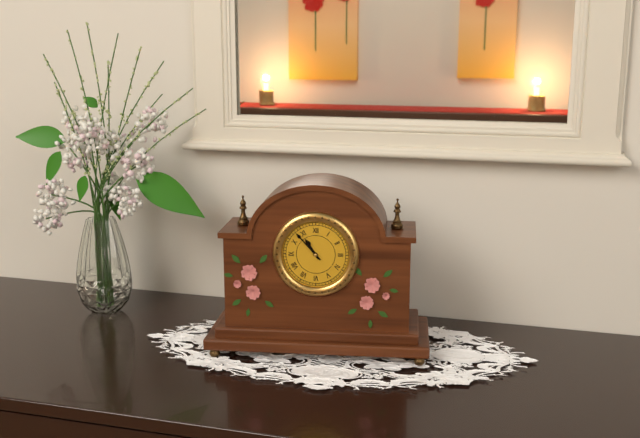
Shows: 10:53
